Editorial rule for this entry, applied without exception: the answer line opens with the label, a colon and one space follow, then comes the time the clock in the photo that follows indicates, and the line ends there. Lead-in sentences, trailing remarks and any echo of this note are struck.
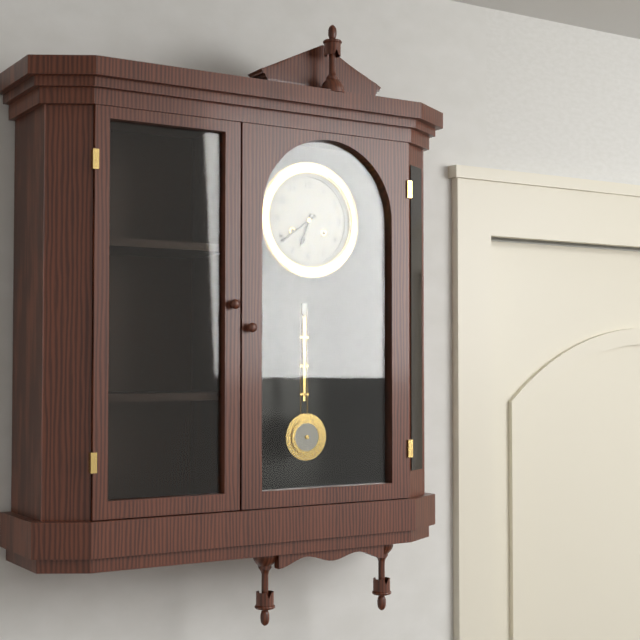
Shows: 6:39
